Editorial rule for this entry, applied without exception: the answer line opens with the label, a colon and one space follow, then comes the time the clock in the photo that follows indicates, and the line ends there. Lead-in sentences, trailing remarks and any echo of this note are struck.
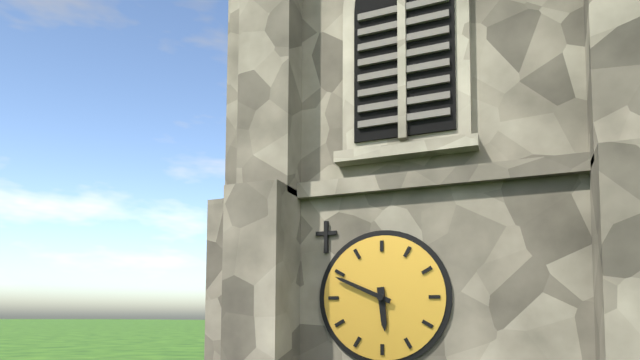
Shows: 5:49
